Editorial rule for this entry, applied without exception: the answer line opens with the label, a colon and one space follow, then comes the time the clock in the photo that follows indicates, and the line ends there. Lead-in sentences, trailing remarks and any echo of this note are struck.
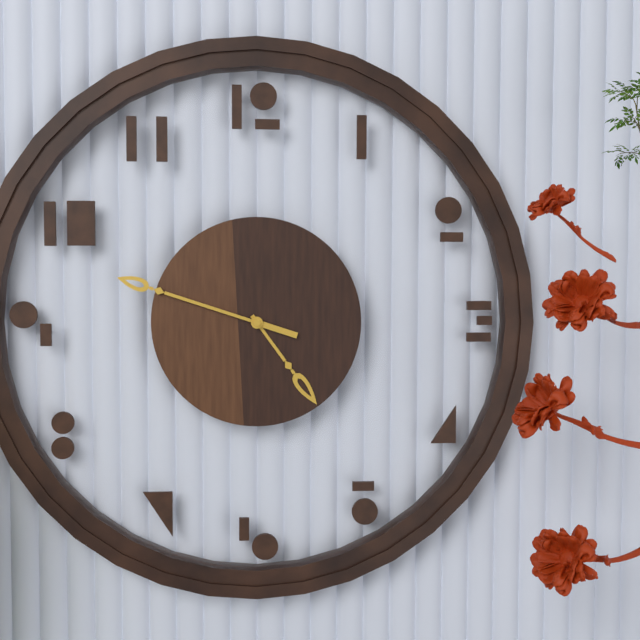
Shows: 4:48
